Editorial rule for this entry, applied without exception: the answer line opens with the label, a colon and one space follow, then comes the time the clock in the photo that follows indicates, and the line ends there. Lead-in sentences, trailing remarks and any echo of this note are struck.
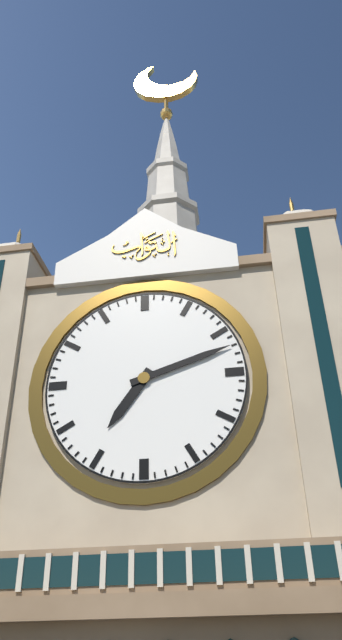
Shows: 7:12
